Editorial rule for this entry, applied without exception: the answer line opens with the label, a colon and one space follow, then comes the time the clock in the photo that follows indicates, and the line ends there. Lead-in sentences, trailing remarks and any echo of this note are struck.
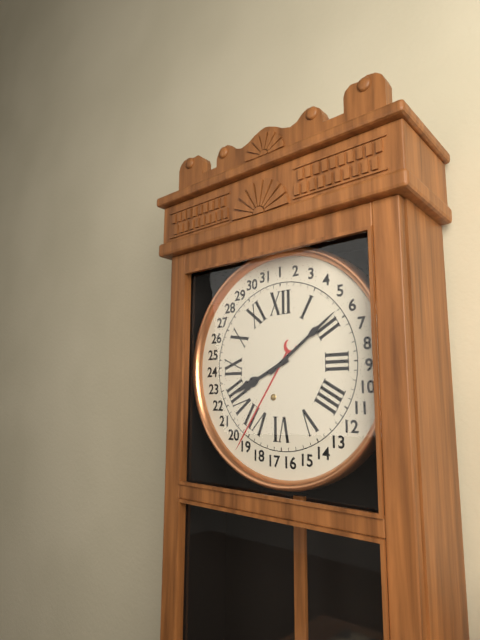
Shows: 8:09
